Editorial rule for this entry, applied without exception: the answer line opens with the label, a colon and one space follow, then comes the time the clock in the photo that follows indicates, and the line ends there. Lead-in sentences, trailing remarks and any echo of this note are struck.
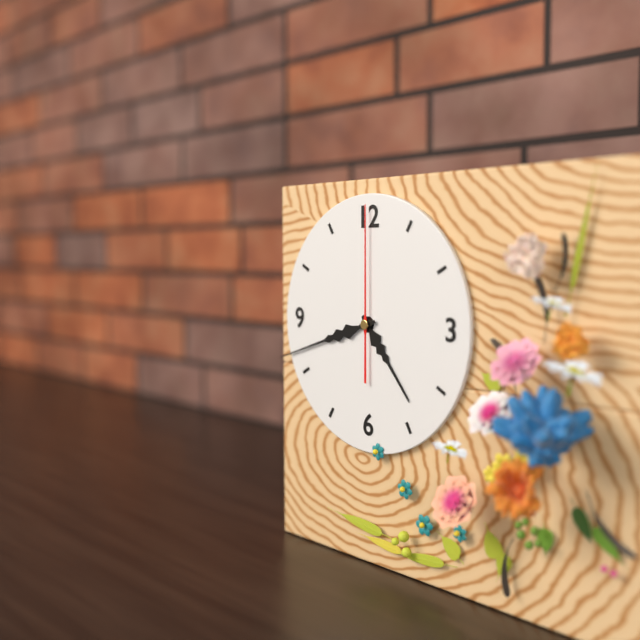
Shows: 4:42:00
